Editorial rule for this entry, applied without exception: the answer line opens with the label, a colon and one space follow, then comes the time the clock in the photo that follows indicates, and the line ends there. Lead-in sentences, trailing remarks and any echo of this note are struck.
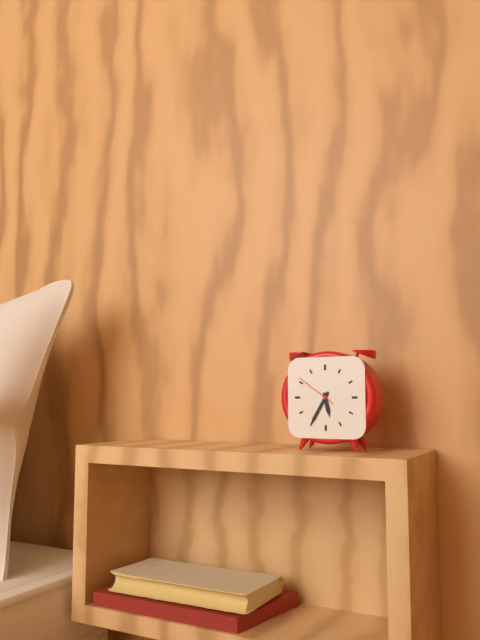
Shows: 5:35
